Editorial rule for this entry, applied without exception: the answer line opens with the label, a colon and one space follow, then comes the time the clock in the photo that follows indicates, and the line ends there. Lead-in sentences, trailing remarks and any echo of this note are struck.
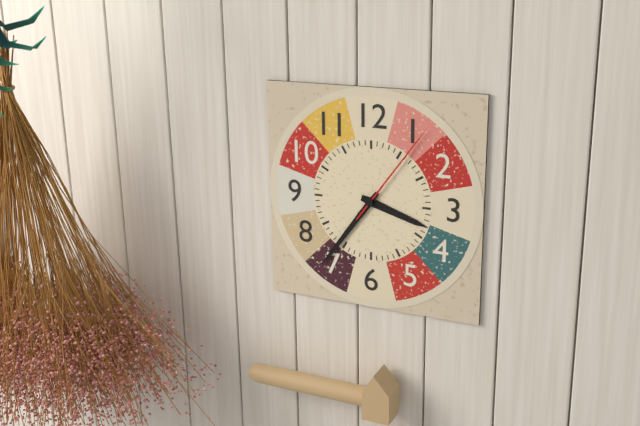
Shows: 3:36:06
